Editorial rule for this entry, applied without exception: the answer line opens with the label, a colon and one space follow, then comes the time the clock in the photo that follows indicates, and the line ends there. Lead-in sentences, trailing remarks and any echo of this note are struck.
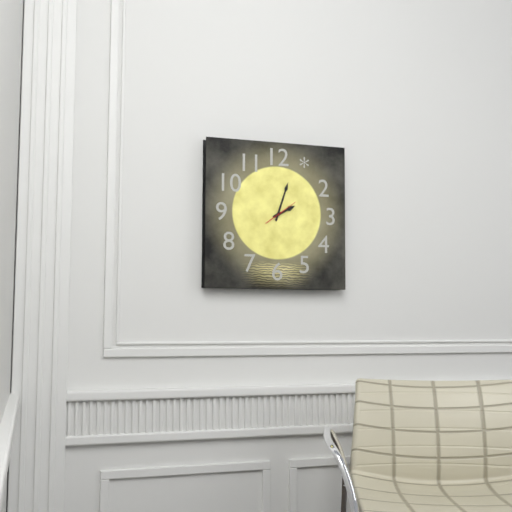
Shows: 2:03
